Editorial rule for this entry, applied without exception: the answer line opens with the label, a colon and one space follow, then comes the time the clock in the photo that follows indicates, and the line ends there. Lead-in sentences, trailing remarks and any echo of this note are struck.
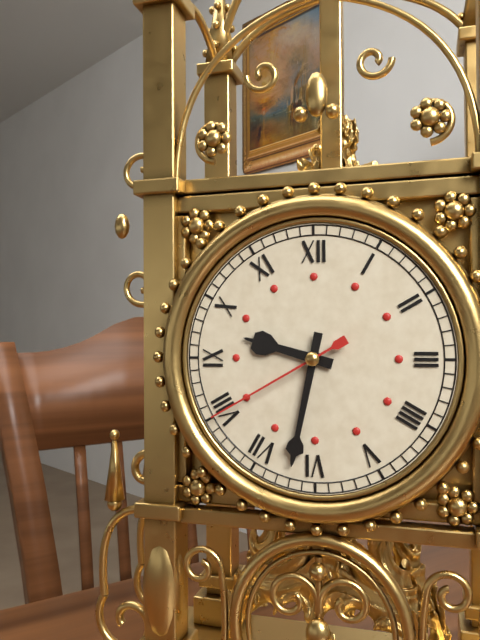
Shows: 9:32:40
